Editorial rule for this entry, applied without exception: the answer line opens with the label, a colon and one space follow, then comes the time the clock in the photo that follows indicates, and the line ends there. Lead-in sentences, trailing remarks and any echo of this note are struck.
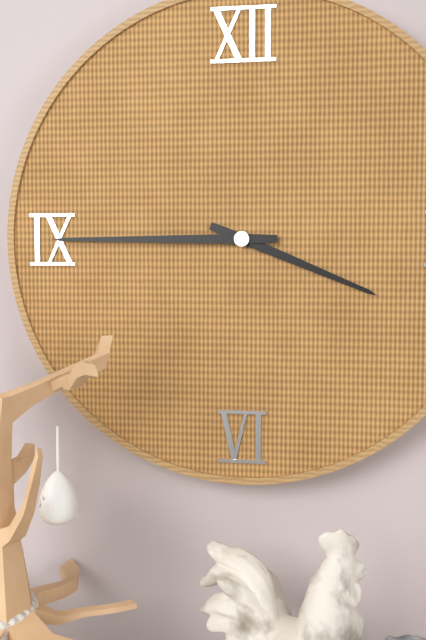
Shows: 3:45
